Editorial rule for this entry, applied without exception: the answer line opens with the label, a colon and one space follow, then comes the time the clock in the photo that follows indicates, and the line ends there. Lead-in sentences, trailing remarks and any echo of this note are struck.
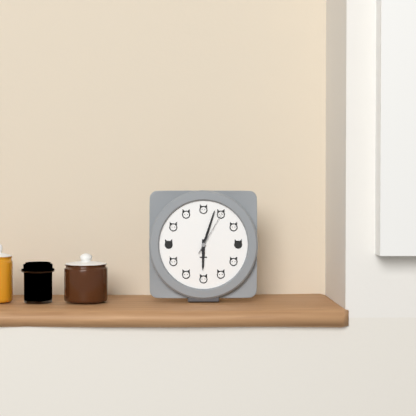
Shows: 6:03
